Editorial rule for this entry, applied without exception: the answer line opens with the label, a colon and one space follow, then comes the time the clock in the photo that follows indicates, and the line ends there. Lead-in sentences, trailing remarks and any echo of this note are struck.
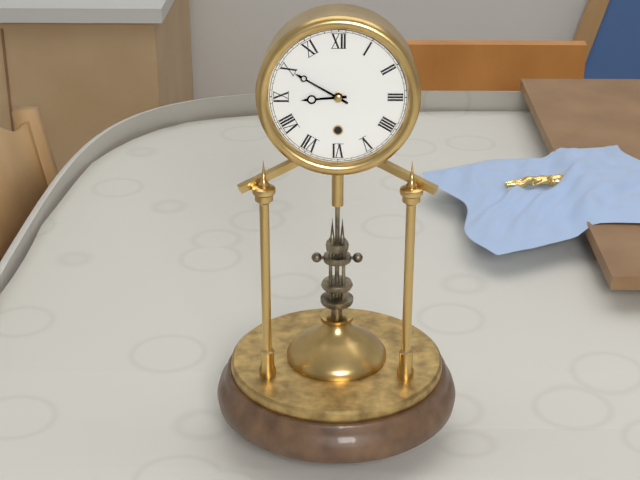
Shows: 8:50
